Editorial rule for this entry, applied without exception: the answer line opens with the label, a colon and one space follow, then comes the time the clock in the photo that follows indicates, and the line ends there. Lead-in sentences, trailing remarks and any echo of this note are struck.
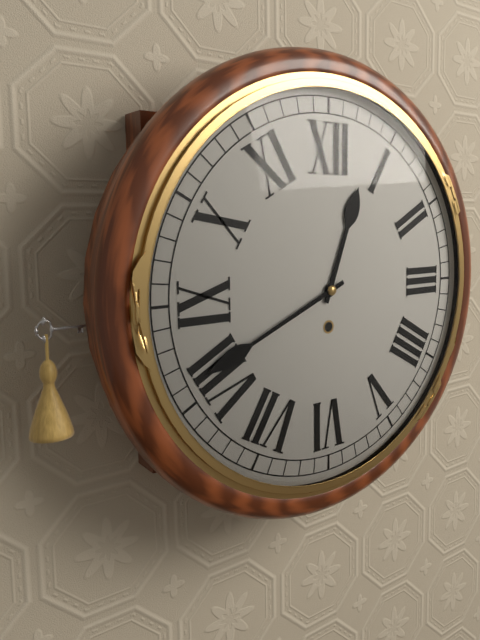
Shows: 12:41
